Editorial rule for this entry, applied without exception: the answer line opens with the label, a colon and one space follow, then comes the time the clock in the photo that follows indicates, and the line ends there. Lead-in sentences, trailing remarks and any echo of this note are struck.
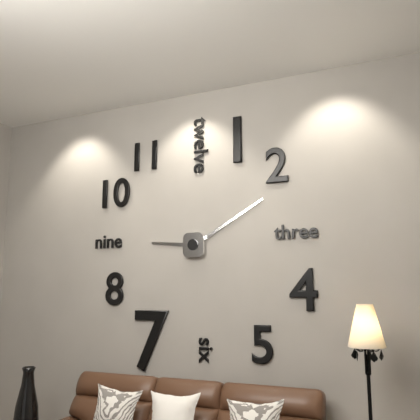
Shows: 9:10
